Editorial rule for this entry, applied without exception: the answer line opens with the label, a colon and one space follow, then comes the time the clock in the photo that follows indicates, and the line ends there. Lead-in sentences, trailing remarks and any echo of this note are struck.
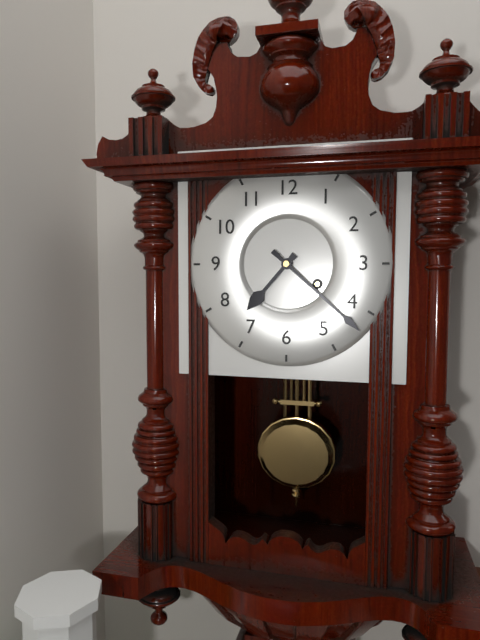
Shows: 7:22
